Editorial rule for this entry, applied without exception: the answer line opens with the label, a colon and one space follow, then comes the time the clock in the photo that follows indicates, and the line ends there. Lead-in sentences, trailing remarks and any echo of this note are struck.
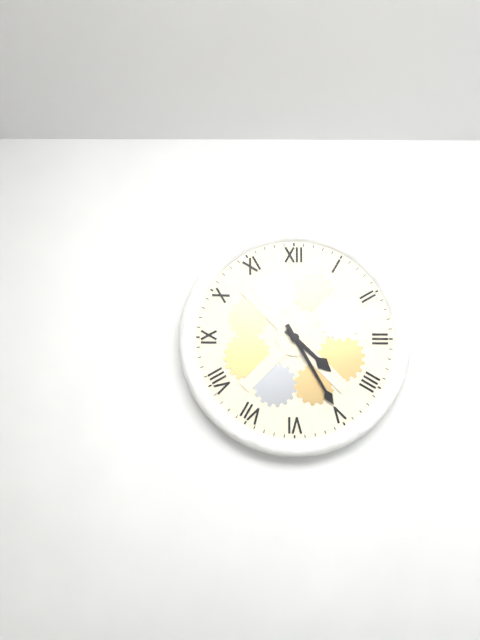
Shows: 4:25
